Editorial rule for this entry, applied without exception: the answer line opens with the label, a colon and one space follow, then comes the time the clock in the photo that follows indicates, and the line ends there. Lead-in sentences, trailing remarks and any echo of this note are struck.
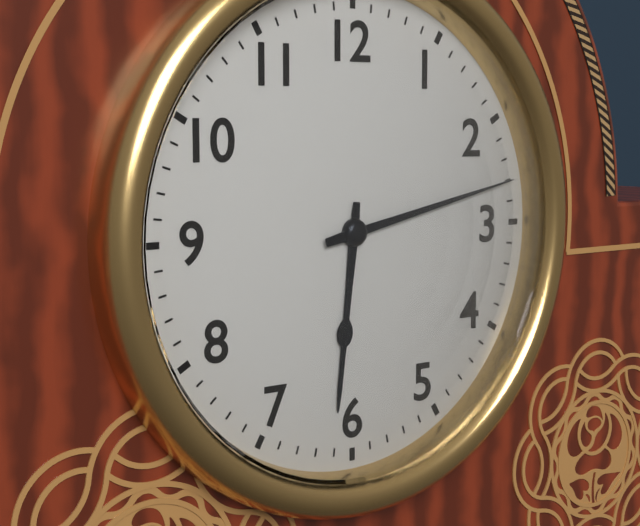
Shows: 6:13
